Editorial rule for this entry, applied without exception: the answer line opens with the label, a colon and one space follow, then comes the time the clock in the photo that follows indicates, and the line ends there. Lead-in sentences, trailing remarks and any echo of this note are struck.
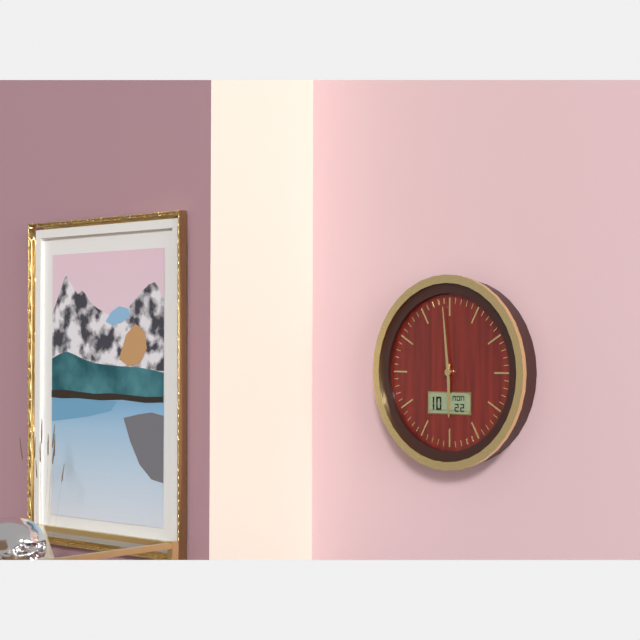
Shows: 5:59
